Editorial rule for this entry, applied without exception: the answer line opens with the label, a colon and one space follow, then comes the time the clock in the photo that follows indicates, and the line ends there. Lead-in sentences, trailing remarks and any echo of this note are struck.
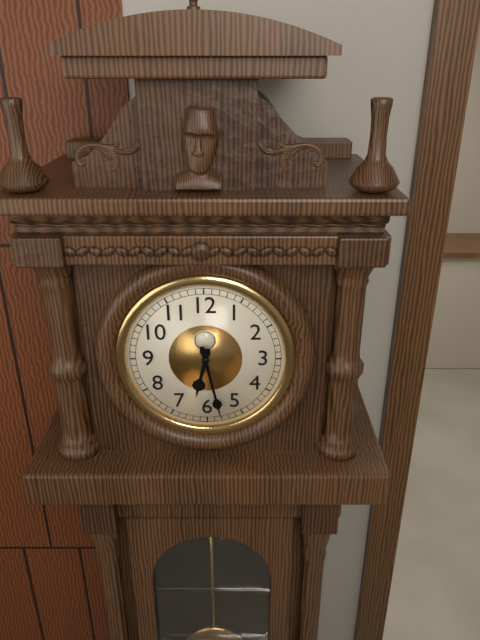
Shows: 6:28
